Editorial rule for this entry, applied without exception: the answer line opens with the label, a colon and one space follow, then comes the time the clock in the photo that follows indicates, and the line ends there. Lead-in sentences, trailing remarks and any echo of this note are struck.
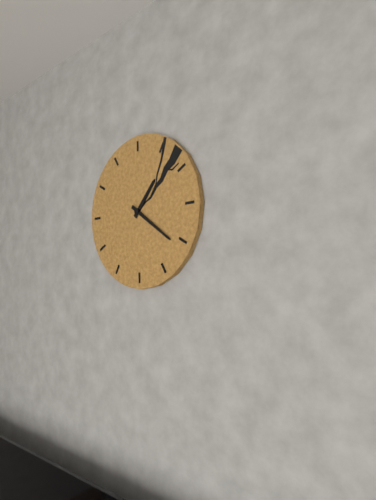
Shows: 1:21
